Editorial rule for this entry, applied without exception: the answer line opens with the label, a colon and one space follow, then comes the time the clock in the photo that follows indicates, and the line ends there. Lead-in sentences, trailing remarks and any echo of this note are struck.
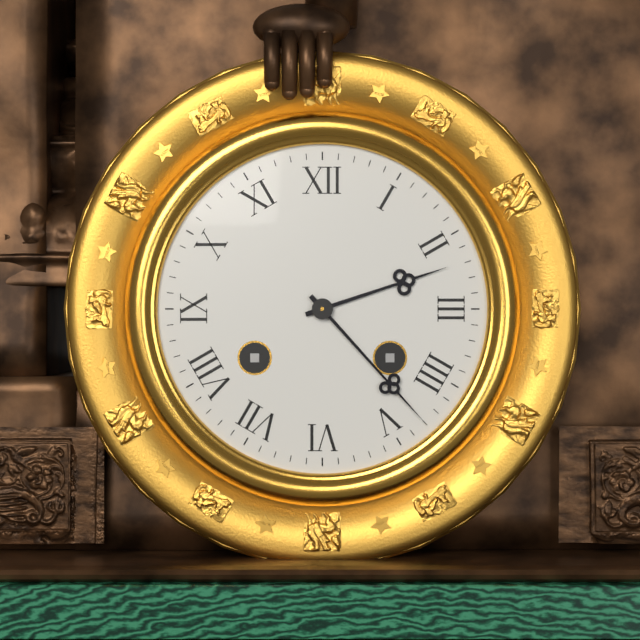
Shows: 2:23
